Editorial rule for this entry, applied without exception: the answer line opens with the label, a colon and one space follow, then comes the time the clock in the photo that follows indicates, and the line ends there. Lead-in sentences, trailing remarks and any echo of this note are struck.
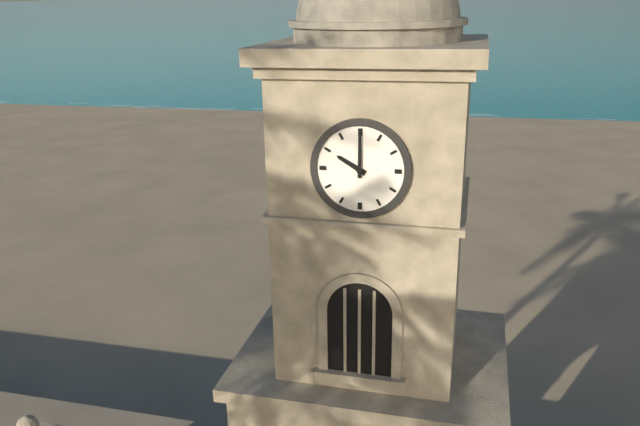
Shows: 10:00
